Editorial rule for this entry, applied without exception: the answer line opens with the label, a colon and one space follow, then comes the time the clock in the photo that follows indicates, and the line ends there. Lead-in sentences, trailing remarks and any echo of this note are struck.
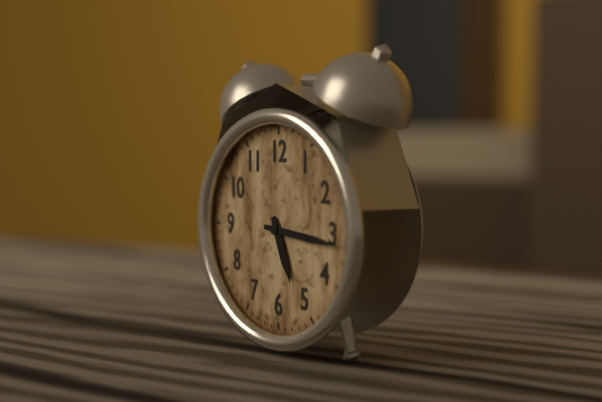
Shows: 5:16
